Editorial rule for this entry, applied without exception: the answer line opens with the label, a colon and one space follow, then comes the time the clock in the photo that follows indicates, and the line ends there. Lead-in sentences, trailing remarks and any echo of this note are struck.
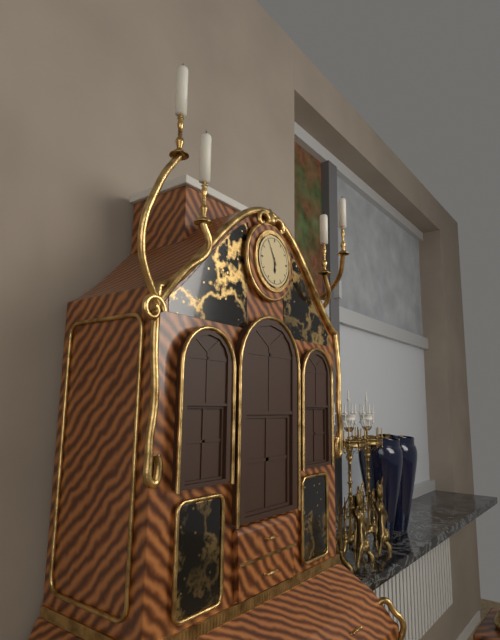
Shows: 5:55
